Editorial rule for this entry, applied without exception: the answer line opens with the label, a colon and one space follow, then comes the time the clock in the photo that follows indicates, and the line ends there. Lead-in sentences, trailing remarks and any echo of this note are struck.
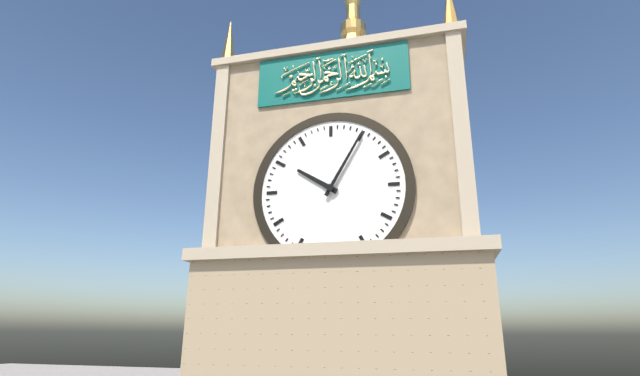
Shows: 10:05
